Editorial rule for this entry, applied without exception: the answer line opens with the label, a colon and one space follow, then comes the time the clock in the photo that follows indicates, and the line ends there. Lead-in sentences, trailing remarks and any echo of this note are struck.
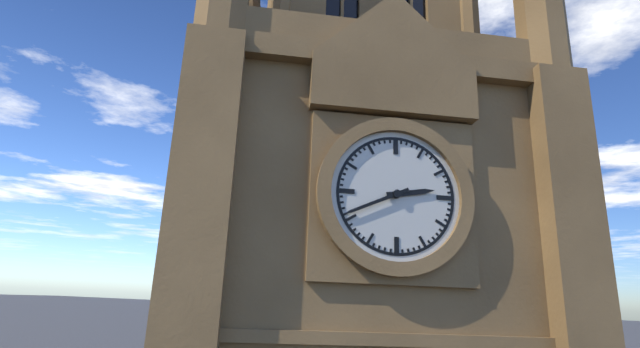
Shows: 2:41
